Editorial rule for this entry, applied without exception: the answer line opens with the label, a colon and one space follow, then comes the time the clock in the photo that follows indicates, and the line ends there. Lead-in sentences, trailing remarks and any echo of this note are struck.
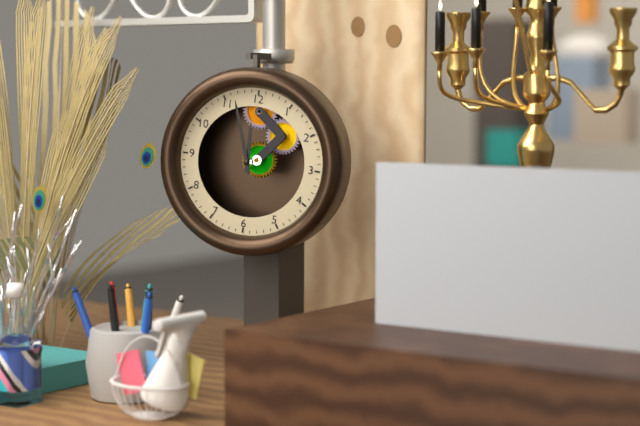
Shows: 11:57
